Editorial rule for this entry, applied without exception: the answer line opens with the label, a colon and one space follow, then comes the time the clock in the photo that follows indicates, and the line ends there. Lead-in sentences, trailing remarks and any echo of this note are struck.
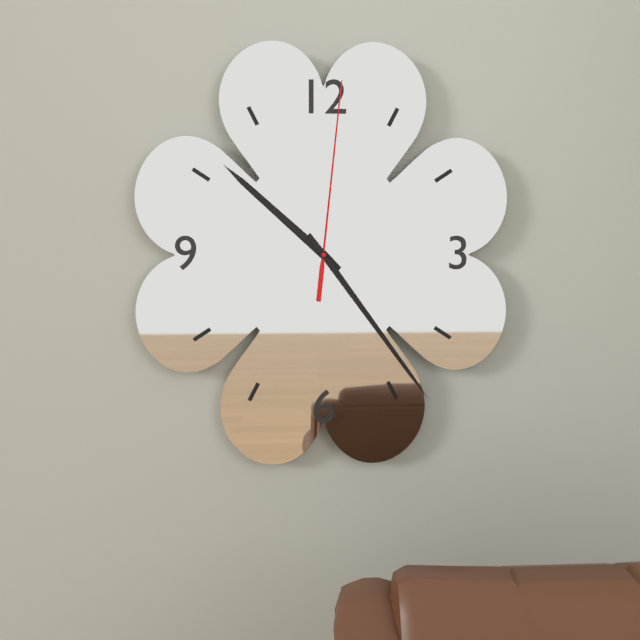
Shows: 10:24:01
